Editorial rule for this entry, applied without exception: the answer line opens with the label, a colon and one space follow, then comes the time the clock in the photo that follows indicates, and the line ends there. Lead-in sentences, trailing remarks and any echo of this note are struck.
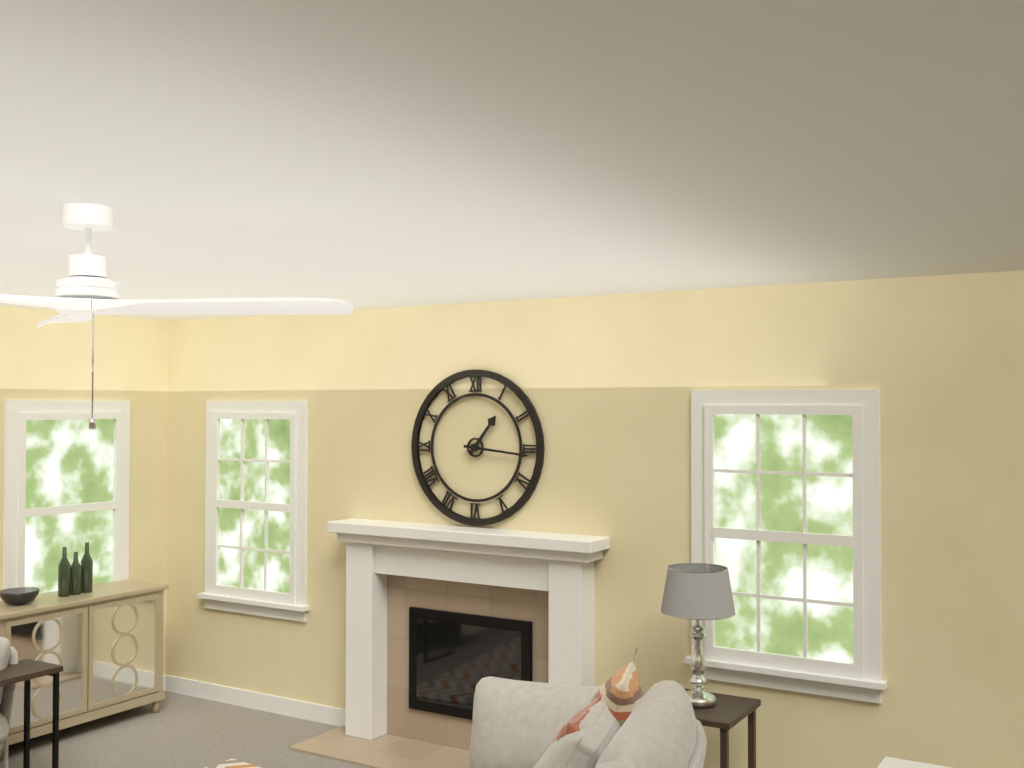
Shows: 1:16
